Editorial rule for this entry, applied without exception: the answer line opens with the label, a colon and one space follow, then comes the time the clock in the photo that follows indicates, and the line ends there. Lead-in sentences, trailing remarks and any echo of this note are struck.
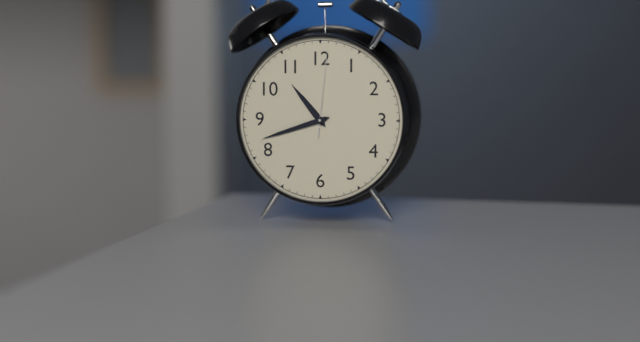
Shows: 10:42:01
